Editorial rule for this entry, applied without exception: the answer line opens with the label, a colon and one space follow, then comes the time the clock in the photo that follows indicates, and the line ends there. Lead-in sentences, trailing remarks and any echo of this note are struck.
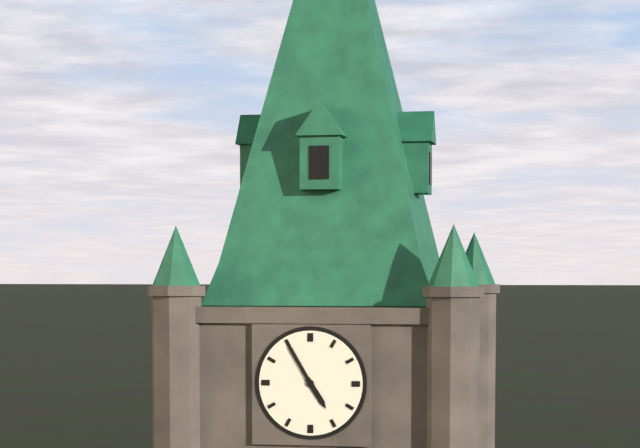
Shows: 4:55
